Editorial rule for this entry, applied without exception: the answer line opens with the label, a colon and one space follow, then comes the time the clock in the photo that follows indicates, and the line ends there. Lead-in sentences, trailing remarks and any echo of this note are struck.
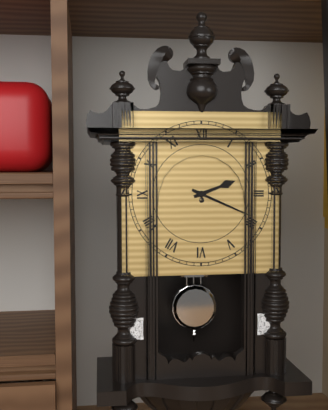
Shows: 2:19
